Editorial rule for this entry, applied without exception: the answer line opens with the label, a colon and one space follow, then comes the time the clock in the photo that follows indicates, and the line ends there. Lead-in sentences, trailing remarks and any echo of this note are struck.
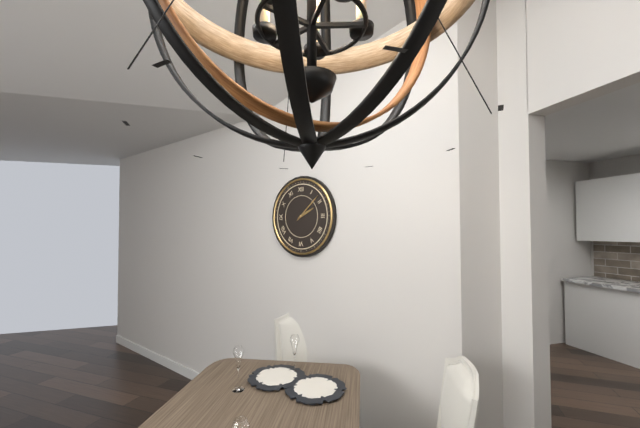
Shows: 2:08
